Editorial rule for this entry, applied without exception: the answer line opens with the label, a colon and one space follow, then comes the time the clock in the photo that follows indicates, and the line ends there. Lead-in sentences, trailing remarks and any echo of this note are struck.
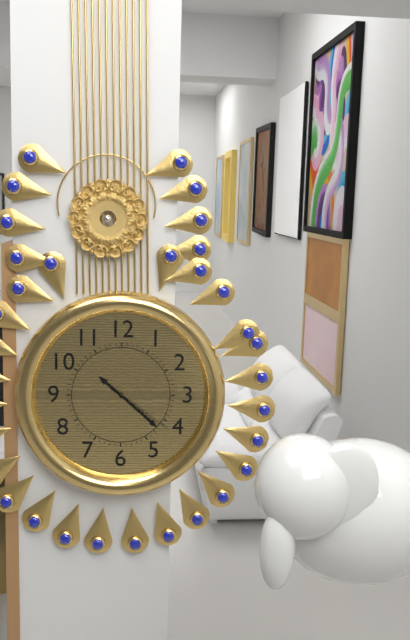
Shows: 10:22:21
